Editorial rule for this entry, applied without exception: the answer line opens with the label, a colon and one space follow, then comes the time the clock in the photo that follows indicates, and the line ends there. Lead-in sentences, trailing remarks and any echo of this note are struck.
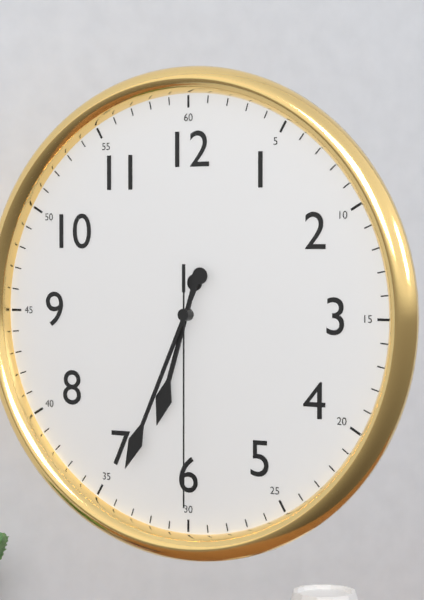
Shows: 6:34:30
